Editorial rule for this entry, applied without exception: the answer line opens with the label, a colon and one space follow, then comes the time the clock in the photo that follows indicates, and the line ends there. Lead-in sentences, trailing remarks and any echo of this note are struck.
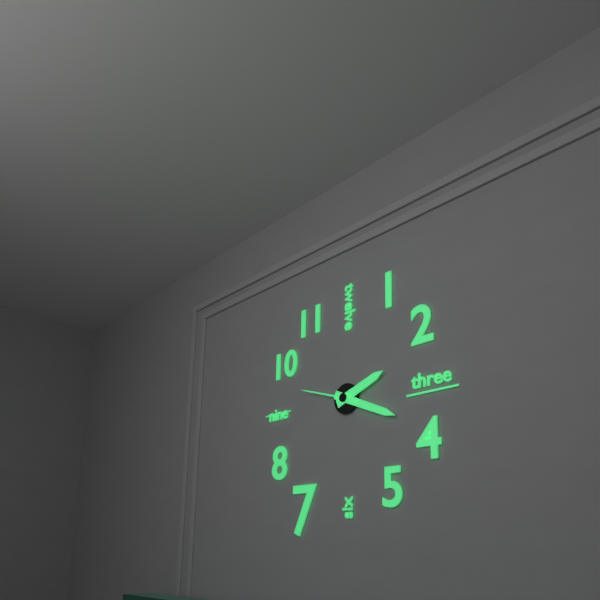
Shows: 2:19:48
